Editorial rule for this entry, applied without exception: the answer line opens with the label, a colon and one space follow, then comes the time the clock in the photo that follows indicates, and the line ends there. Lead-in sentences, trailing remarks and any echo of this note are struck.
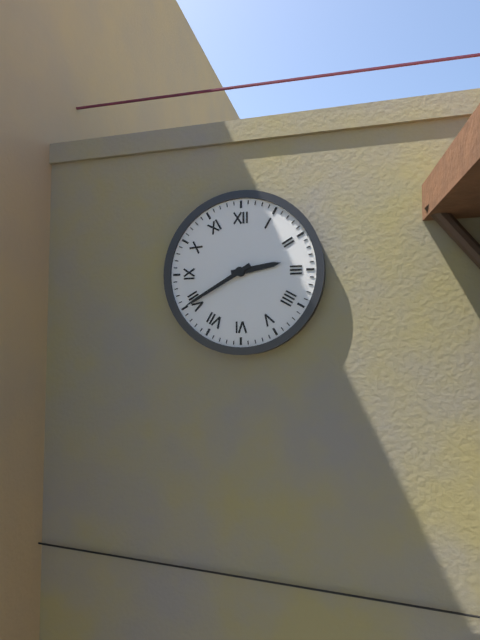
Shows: 2:40
